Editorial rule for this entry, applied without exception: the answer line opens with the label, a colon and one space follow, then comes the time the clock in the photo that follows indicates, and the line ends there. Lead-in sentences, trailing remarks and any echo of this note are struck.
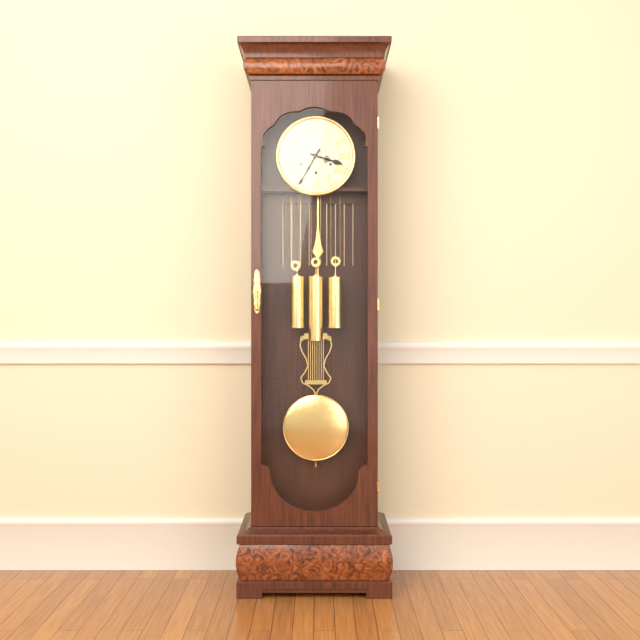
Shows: 3:35
